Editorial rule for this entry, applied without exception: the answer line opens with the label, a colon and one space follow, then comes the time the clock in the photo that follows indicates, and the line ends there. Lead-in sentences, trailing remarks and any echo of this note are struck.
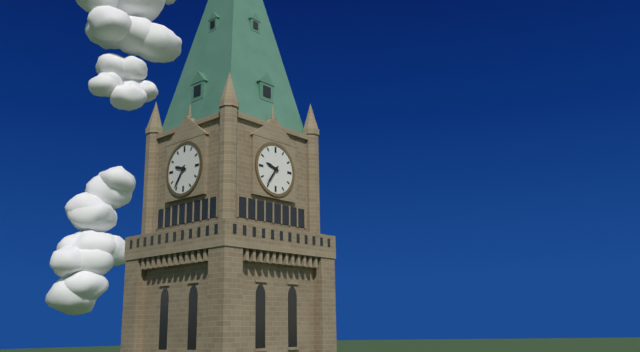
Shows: 9:36
